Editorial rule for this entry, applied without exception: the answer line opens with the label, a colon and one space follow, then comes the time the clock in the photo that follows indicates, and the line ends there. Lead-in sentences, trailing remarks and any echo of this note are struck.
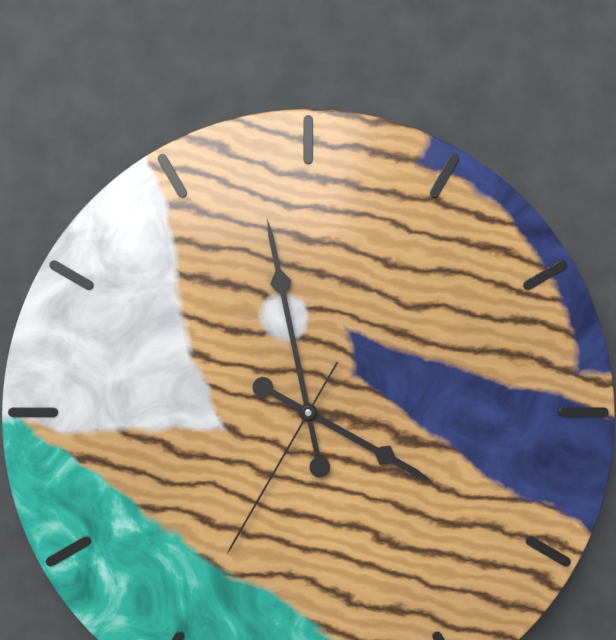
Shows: 3:58:35
